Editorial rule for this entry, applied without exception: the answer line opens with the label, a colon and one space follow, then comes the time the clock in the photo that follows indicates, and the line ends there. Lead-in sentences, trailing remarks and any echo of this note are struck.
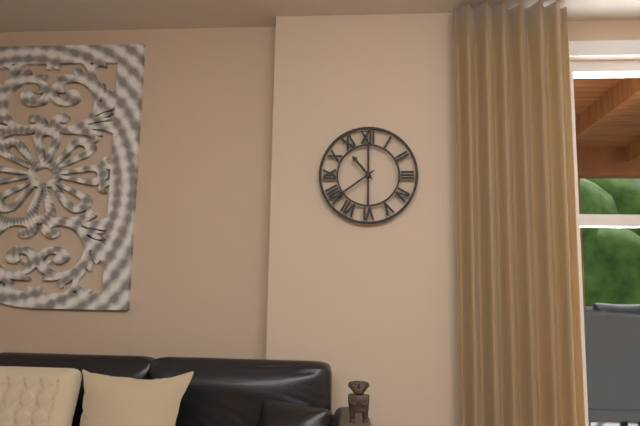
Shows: 10:39
